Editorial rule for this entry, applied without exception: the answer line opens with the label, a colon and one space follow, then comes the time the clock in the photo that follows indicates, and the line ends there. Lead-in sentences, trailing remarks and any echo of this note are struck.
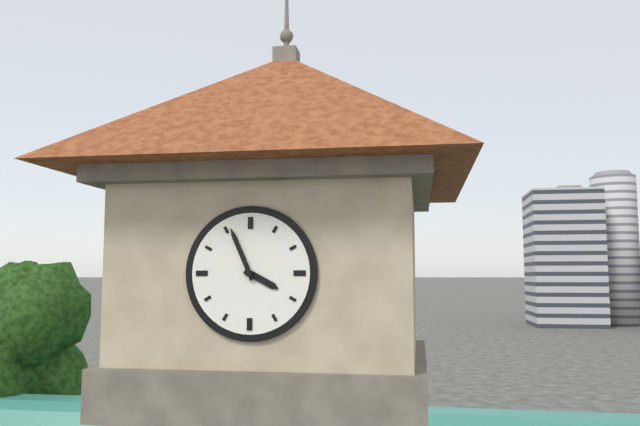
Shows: 3:56
